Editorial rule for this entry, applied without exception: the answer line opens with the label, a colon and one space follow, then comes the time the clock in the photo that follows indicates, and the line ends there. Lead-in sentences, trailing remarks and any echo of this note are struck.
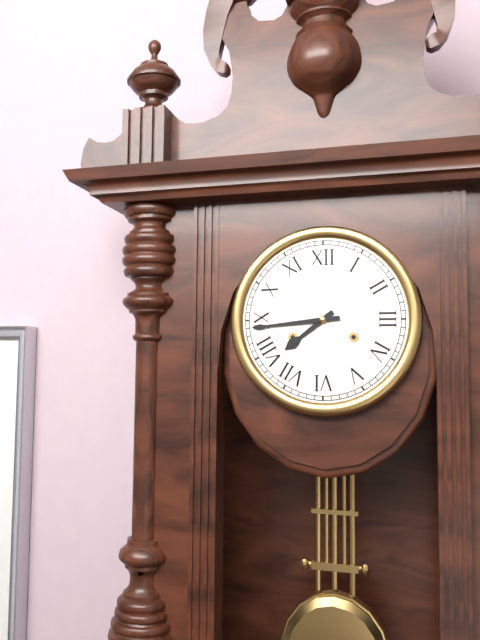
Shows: 7:44
